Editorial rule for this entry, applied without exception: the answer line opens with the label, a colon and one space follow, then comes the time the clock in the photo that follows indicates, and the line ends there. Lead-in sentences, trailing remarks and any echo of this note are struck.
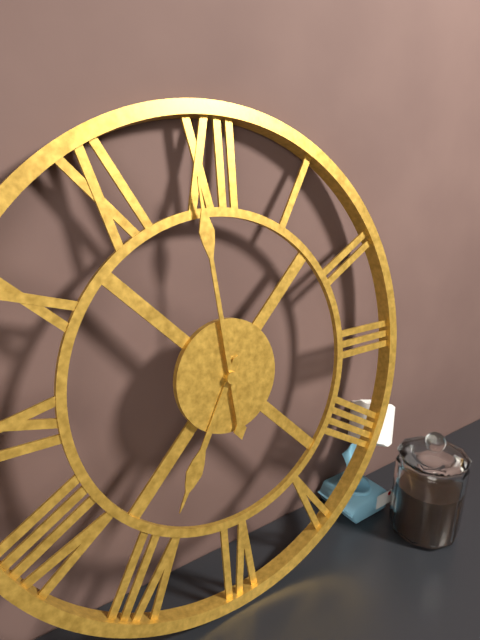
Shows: 6:59
